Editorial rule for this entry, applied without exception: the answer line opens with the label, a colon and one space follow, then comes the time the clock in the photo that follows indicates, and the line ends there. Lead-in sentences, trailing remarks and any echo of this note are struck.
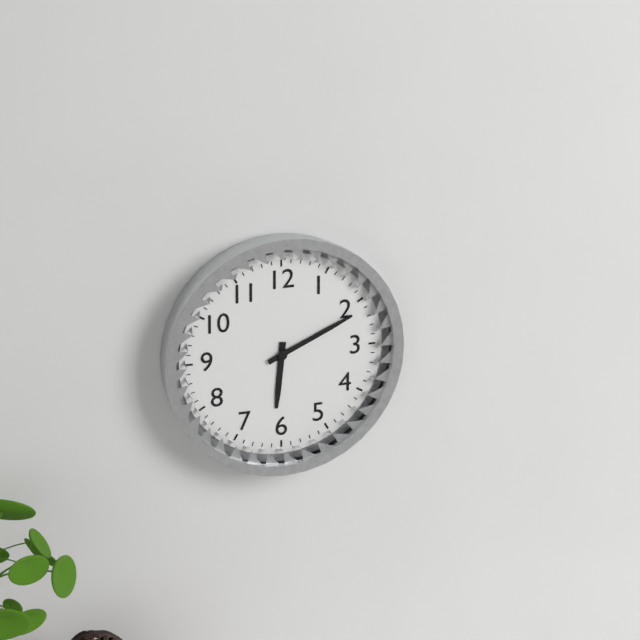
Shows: 6:11
